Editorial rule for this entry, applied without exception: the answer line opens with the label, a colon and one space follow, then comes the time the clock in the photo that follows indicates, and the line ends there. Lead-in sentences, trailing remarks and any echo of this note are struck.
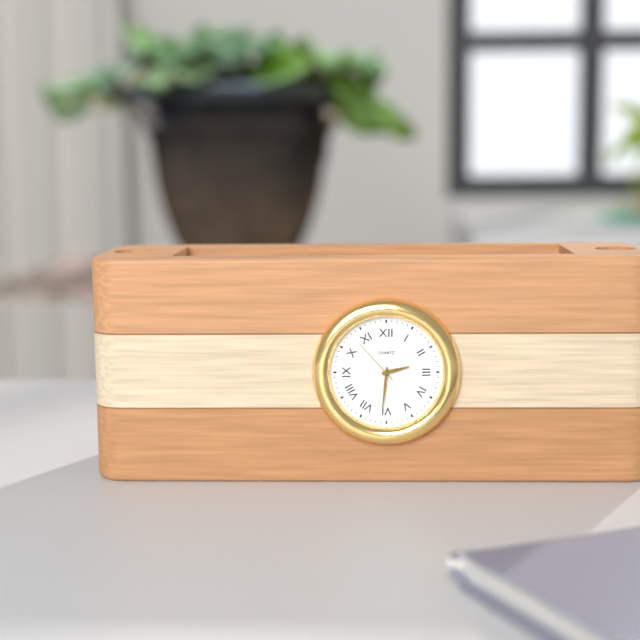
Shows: 2:31:53
